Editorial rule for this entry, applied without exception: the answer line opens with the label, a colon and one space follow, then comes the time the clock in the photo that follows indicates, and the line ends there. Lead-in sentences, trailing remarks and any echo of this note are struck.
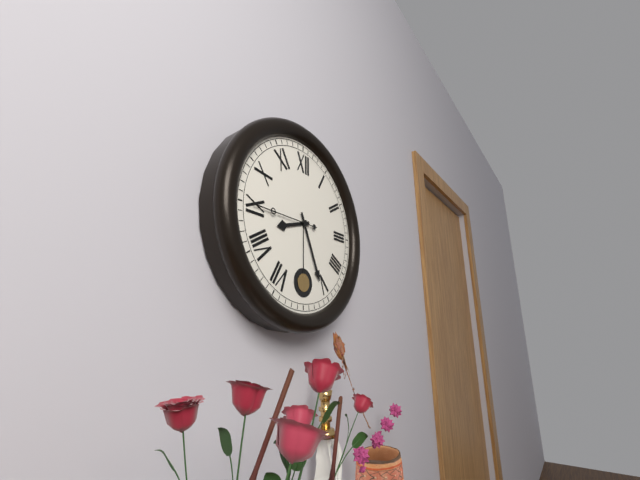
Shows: 8:26:45
